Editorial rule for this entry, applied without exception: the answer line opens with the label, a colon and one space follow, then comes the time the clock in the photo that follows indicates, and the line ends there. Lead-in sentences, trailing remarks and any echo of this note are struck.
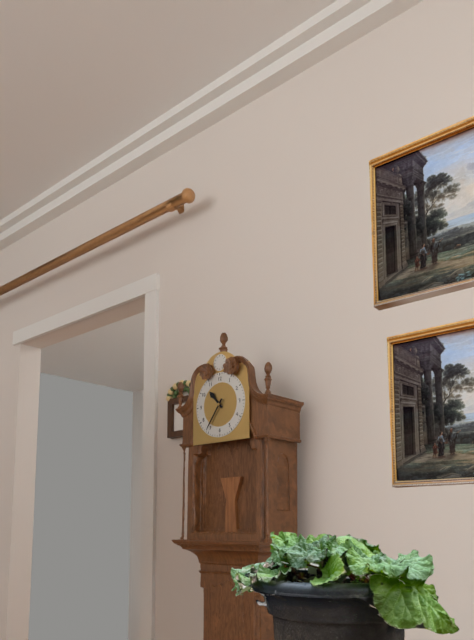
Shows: 10:36
